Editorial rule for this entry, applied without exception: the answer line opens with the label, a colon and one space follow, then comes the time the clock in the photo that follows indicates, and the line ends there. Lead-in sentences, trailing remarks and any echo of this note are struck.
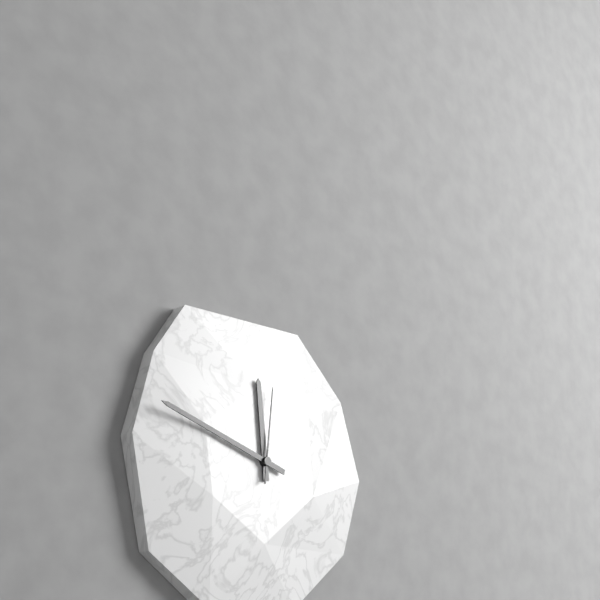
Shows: 11:48:01
